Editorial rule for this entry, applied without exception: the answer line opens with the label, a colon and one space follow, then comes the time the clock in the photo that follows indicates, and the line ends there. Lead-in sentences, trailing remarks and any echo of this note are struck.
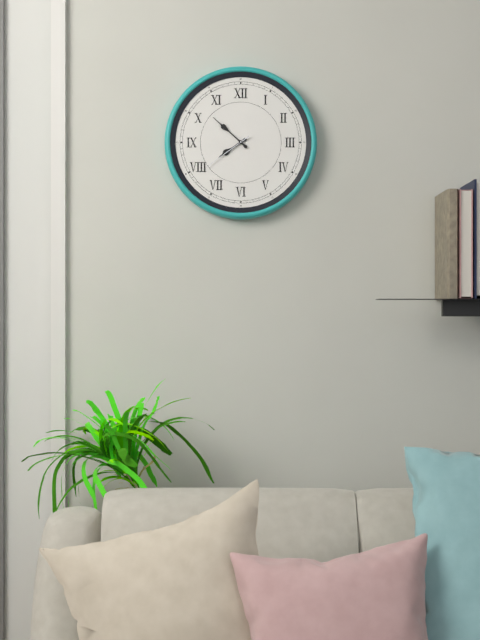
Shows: 7:52:39
